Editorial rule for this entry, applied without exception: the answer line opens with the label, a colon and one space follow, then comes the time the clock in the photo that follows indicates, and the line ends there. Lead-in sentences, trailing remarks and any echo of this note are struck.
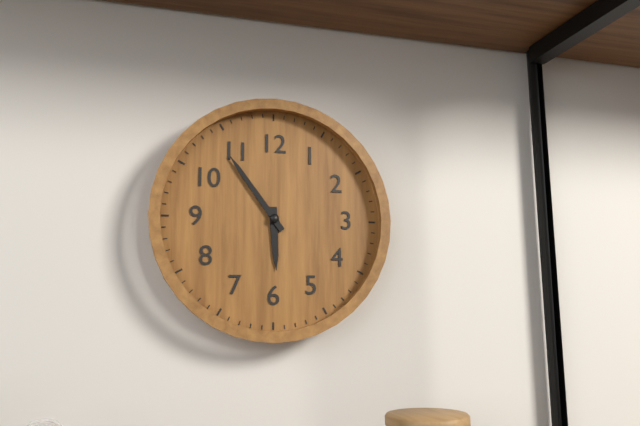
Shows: 5:54
